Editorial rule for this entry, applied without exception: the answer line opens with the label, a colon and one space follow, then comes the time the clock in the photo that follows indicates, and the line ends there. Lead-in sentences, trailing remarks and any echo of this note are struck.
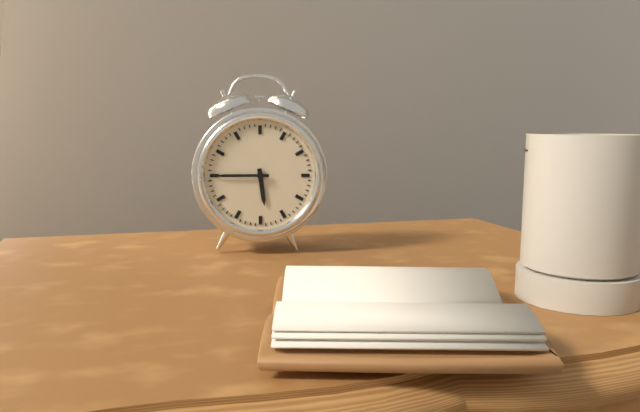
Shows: 5:45
